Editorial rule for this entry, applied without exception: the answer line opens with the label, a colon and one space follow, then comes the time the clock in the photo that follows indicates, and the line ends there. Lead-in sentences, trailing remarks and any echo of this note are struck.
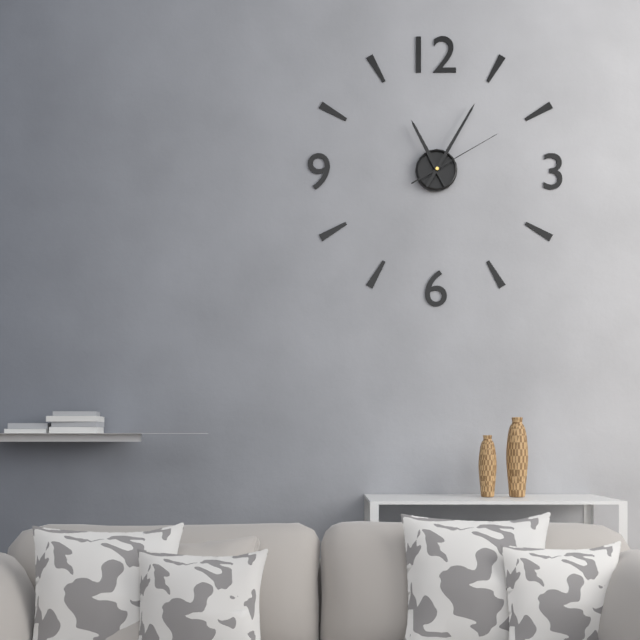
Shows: 11:05:10
